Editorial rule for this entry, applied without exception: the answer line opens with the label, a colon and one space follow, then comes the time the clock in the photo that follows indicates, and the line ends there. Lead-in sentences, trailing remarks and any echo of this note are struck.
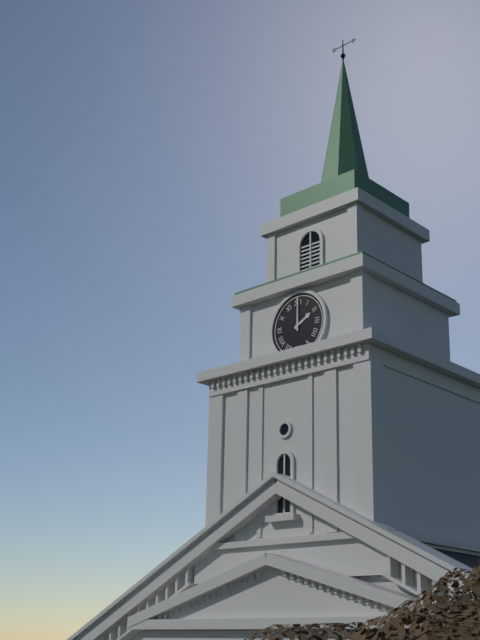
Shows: 2:00
